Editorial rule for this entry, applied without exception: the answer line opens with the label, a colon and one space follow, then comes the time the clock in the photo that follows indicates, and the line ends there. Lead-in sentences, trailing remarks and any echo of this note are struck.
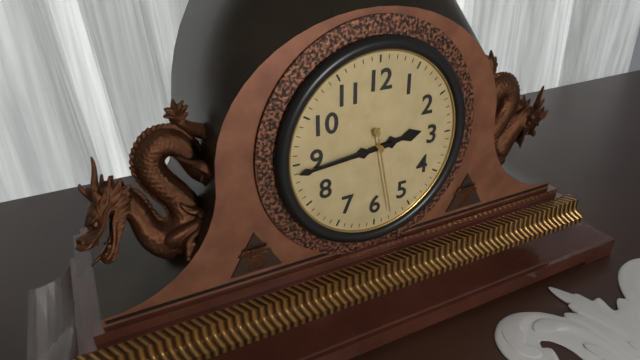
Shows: 2:44:28
